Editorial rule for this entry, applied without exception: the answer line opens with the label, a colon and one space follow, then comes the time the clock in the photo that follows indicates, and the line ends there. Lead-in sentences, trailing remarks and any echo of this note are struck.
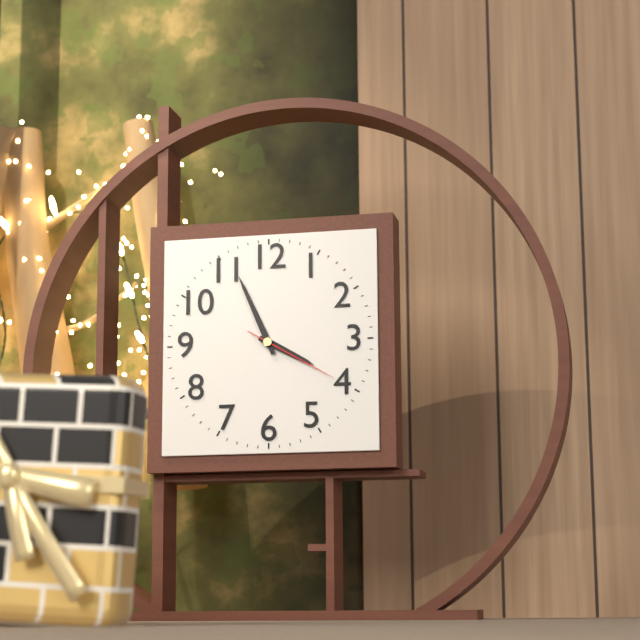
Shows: 3:56:20
